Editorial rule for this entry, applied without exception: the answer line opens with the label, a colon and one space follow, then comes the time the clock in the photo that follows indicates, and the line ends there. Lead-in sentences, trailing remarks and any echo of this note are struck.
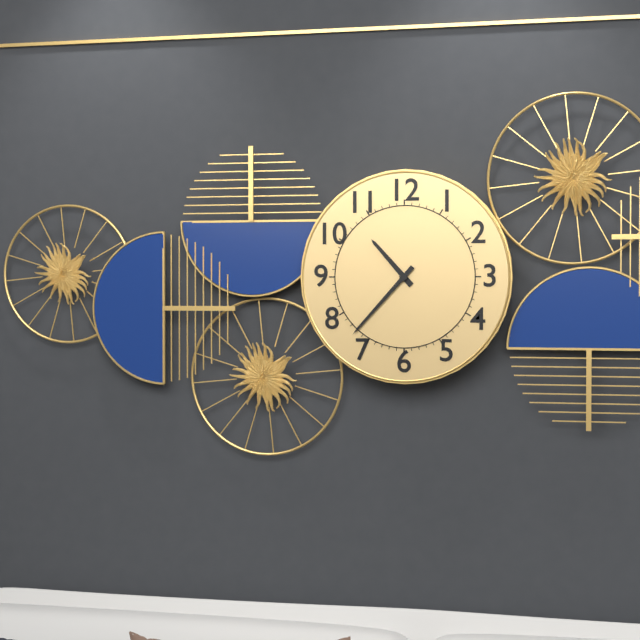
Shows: 10:37
